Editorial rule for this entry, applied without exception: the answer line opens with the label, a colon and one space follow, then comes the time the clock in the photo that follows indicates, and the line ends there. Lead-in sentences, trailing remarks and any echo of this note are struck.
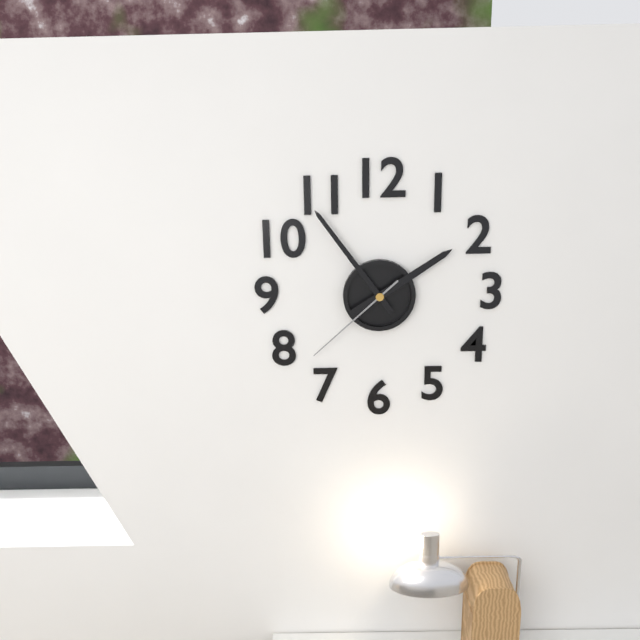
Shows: 1:54:38
